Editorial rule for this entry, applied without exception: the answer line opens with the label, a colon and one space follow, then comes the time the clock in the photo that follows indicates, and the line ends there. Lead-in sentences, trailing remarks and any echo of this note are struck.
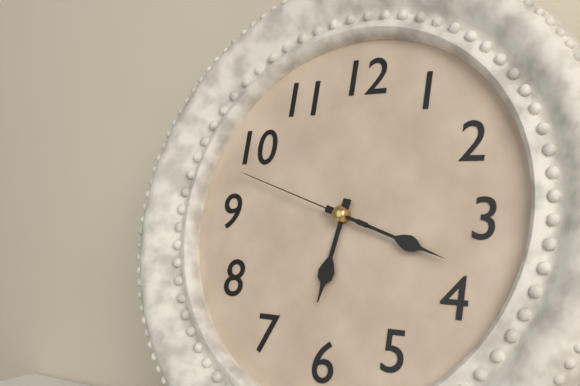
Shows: 6:18:48
